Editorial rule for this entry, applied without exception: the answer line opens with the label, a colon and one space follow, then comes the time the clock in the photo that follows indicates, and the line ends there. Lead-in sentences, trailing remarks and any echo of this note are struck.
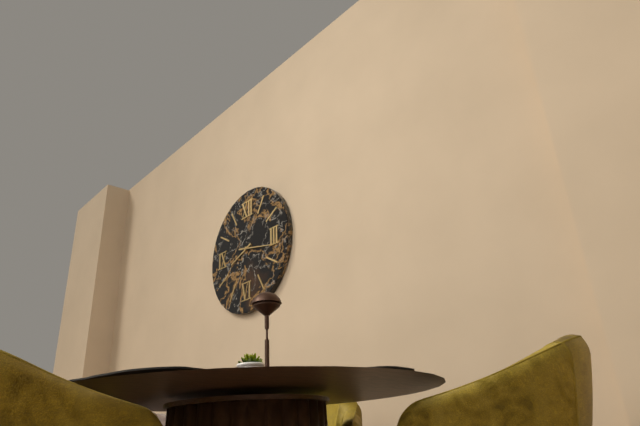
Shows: 8:17
